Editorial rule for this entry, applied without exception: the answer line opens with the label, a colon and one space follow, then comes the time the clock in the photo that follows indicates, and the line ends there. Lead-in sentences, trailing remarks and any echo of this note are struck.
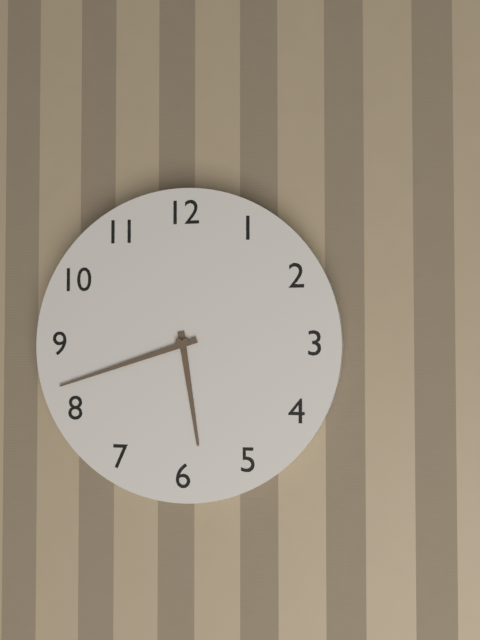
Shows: 5:42
